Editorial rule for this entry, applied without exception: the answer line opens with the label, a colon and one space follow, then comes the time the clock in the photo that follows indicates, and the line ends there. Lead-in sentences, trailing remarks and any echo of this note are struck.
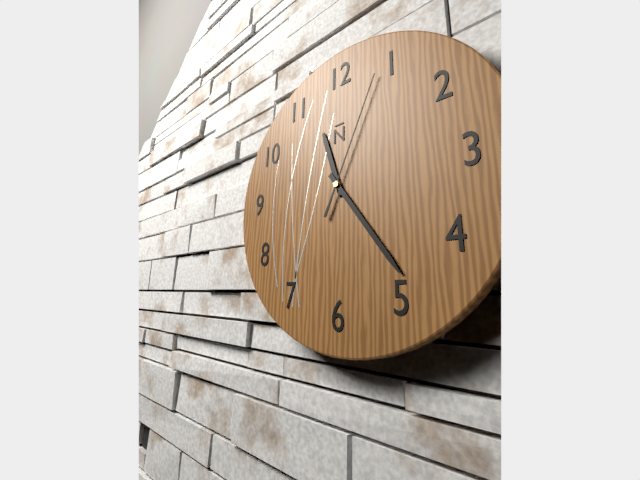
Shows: 11:24:04
